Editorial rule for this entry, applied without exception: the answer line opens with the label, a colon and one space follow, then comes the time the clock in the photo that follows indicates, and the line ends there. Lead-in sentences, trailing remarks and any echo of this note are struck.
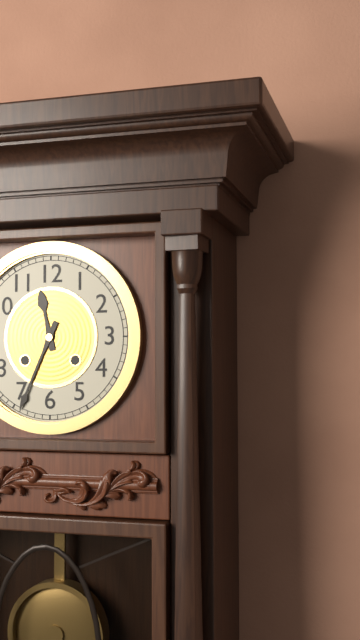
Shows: 11:34
